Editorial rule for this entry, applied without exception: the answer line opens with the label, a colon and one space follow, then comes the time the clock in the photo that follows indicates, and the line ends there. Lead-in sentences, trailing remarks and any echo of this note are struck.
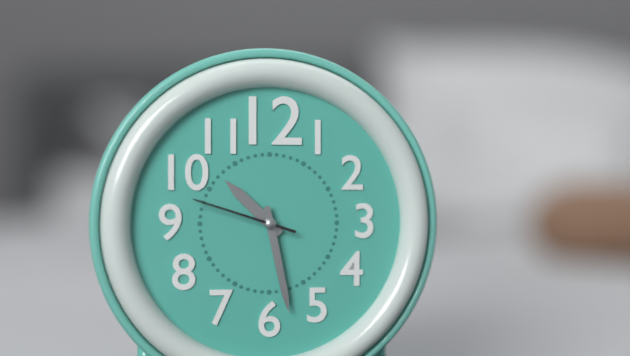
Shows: 10:28:48
